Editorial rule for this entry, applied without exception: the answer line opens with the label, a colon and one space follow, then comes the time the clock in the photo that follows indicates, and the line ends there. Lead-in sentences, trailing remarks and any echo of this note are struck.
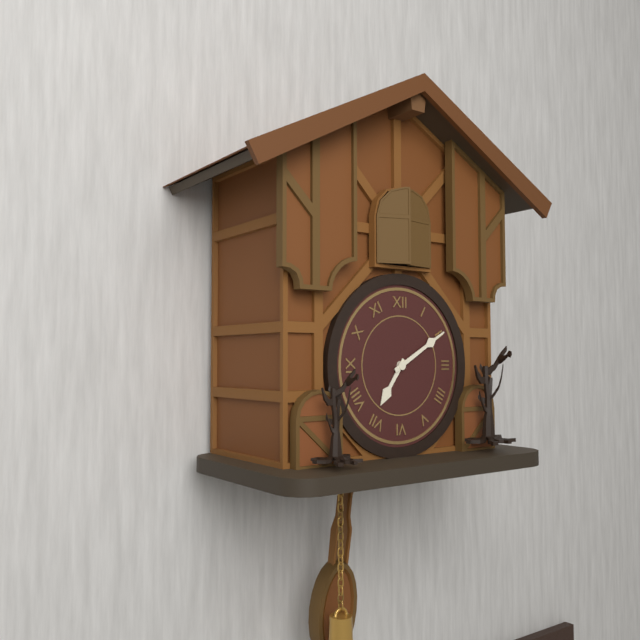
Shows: 7:10
